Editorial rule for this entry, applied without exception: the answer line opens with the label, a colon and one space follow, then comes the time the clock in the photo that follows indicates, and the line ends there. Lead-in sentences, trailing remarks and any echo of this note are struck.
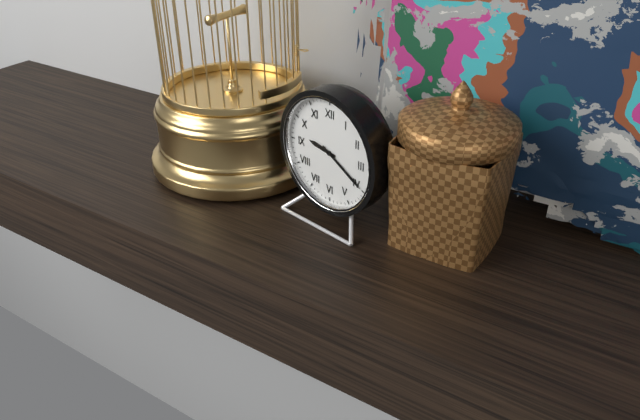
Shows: 9:20
